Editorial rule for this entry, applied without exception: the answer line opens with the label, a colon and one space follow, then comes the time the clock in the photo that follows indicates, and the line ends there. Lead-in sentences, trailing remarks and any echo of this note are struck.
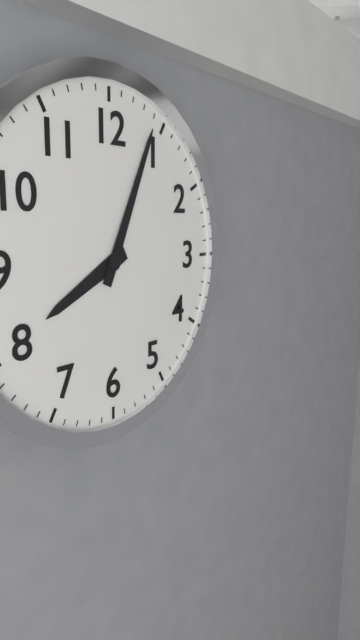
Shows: 8:04
